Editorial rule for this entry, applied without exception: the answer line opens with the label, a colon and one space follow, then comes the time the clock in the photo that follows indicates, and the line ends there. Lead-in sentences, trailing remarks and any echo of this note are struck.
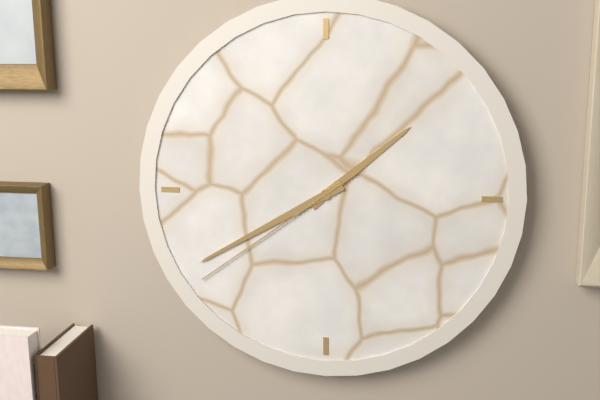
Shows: 1:40:39
